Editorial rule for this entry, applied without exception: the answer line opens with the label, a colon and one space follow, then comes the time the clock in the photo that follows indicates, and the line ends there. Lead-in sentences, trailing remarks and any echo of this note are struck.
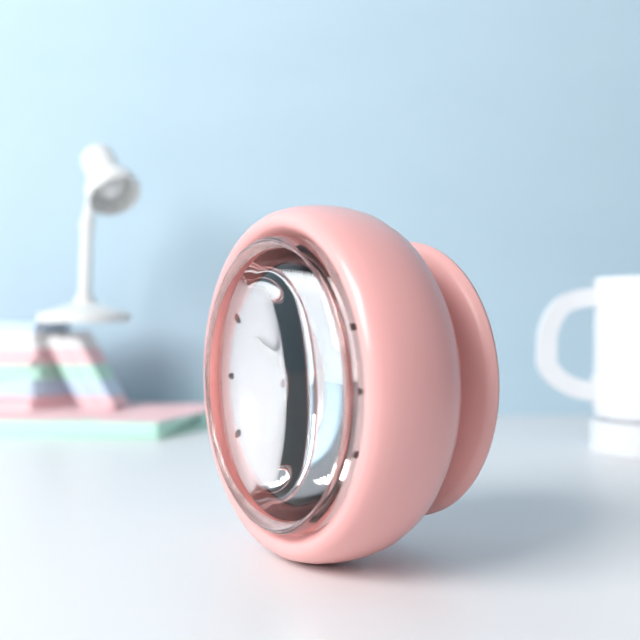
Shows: 10:05
